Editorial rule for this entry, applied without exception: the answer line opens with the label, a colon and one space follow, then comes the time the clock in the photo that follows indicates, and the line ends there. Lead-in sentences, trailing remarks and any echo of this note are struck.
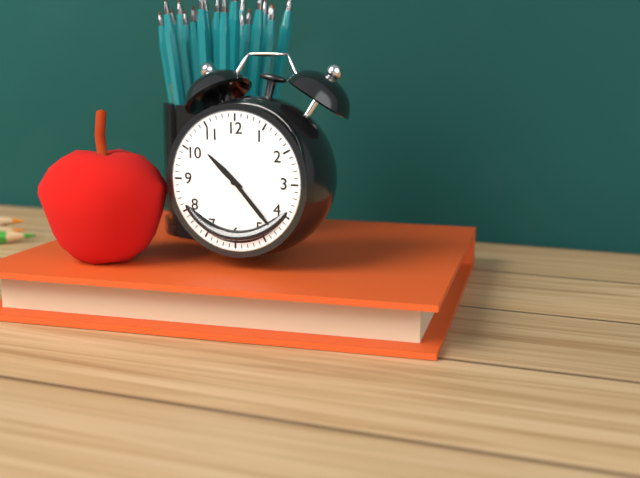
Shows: 10:23
